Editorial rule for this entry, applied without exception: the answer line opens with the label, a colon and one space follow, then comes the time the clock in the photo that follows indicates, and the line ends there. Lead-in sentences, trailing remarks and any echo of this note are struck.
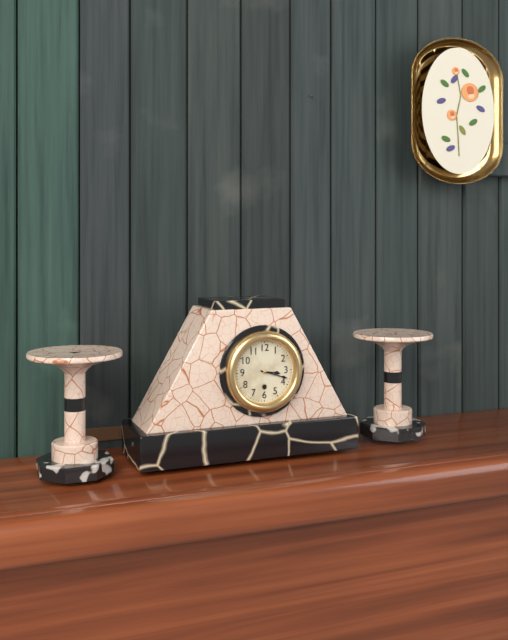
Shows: 3:18
